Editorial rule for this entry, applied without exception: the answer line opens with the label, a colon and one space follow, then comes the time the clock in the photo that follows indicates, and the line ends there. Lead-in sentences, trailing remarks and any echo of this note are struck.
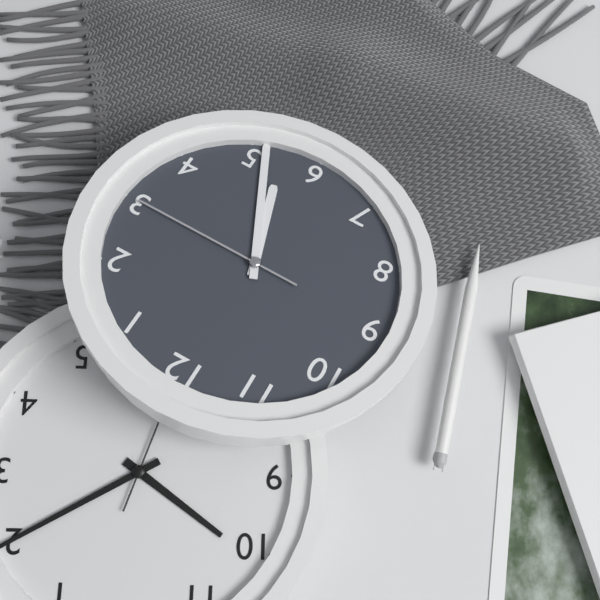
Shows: 5:26:15
